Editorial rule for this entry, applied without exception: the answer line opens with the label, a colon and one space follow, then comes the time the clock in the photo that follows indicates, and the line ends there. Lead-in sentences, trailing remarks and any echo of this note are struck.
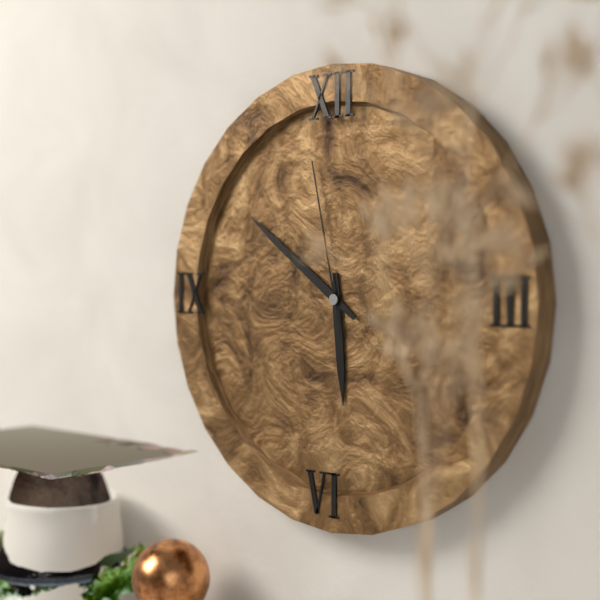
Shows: 5:51:58
